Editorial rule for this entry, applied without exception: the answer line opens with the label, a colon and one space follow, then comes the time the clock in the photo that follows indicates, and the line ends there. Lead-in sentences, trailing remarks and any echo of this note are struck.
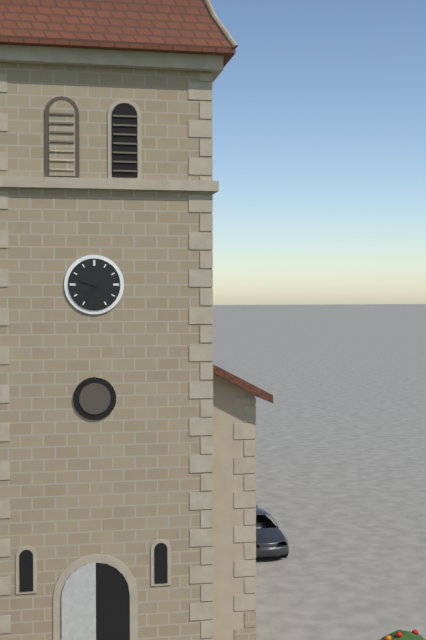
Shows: 9:36
